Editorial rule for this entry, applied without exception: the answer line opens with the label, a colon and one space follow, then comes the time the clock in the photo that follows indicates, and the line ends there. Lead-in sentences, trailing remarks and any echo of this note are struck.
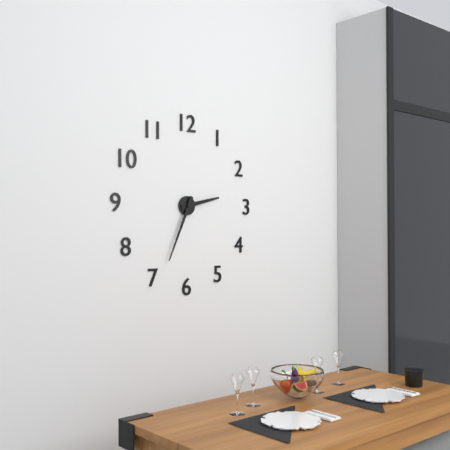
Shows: 2:34
